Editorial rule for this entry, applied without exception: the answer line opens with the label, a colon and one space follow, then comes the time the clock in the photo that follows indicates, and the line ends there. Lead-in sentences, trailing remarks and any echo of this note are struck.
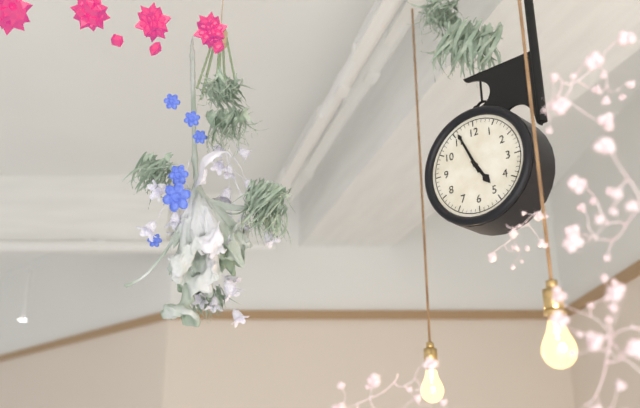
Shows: 4:56
